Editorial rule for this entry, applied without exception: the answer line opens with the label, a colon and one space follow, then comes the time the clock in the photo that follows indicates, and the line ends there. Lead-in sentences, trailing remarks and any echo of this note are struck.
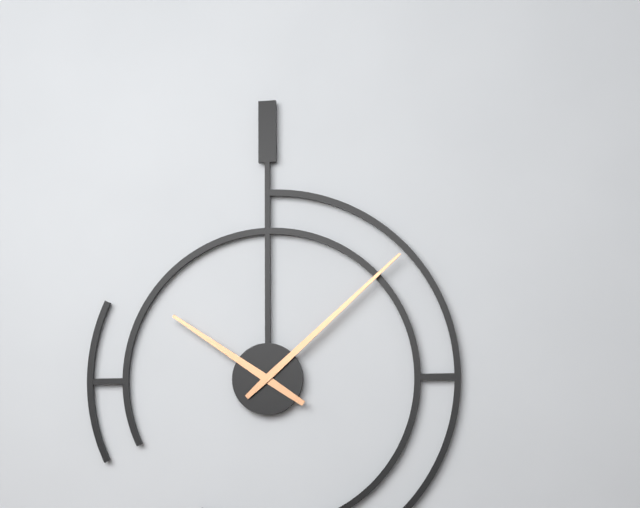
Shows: 10:08
